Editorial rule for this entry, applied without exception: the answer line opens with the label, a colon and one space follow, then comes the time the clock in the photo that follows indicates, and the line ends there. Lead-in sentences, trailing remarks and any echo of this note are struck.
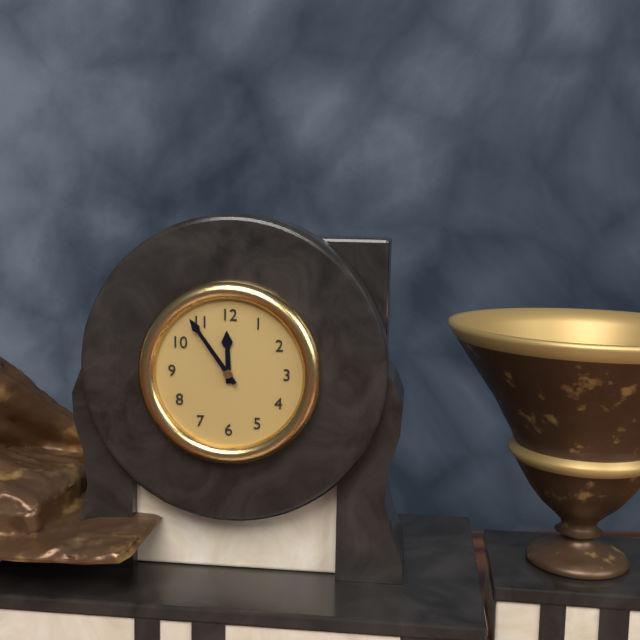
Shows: 11:54
